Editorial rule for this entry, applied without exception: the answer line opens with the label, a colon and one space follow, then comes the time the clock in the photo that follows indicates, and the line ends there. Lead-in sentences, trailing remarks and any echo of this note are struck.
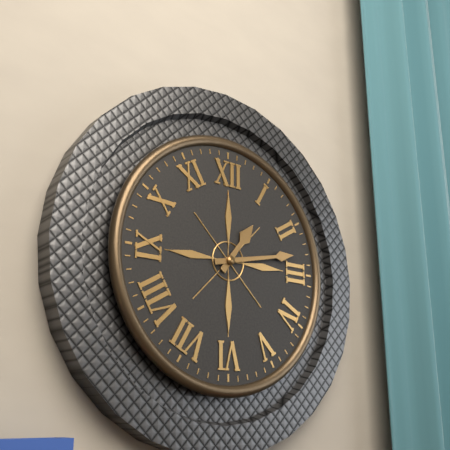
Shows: 1:13
